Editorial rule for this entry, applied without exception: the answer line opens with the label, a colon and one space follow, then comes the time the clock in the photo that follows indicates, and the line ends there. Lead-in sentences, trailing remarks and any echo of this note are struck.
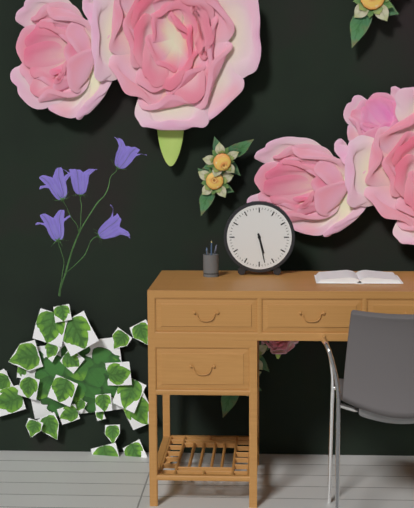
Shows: 5:28
